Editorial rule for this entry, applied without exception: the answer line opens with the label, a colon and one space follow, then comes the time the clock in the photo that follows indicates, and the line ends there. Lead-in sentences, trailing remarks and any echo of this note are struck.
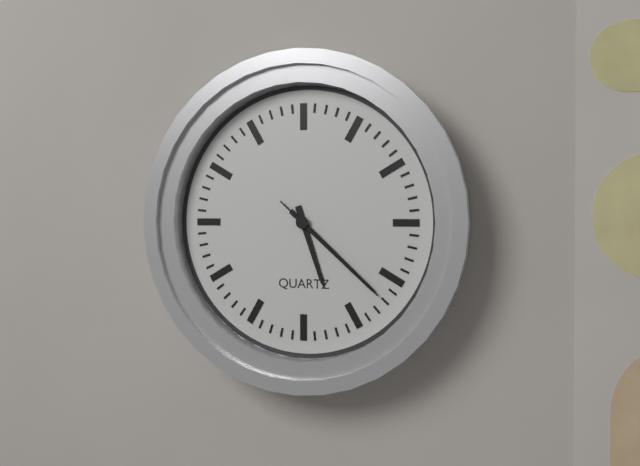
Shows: 5:22:22
